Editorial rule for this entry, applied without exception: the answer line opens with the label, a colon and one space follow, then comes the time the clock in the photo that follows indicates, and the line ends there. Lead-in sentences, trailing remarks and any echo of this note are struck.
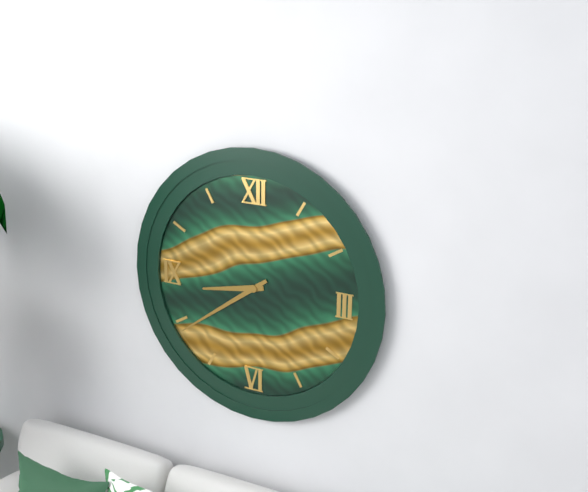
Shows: 8:39
